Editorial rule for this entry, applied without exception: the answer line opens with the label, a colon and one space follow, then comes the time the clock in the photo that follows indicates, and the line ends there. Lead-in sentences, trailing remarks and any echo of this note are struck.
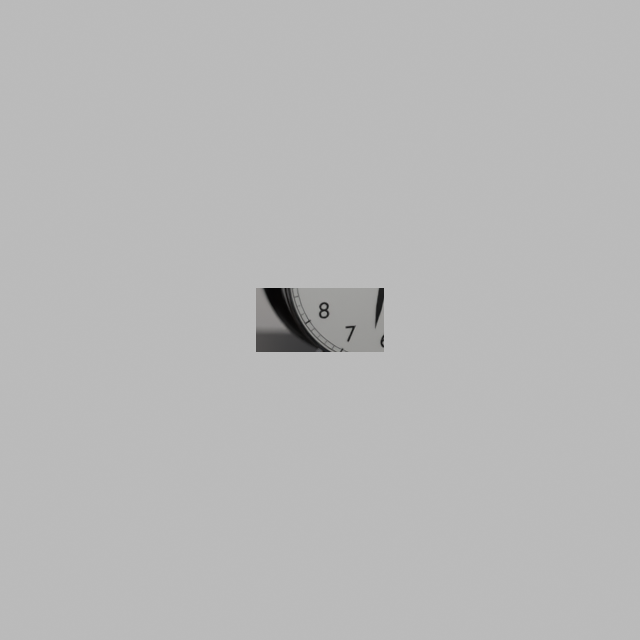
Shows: 6:21:53
